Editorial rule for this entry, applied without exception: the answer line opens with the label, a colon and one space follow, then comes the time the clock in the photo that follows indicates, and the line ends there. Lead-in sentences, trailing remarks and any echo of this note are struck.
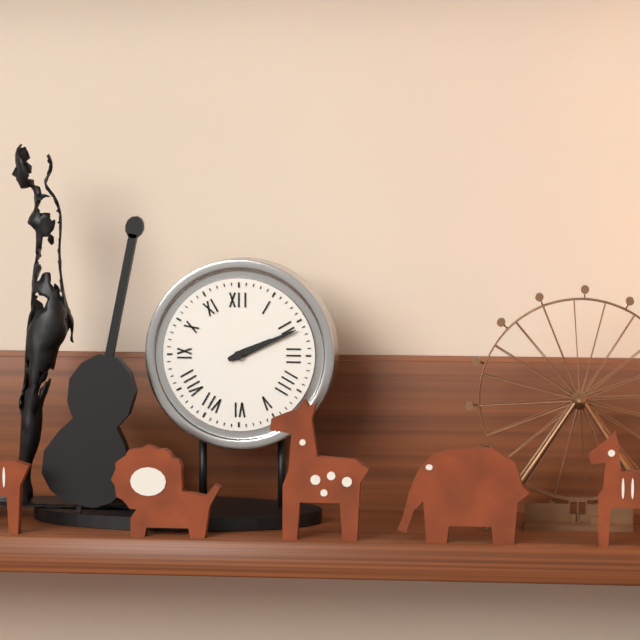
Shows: 2:11
